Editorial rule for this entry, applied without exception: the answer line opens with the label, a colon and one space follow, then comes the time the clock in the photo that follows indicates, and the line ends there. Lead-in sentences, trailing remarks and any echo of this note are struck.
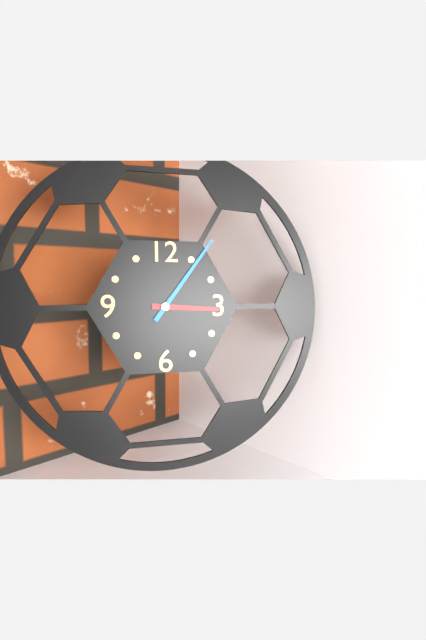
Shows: 3:06
